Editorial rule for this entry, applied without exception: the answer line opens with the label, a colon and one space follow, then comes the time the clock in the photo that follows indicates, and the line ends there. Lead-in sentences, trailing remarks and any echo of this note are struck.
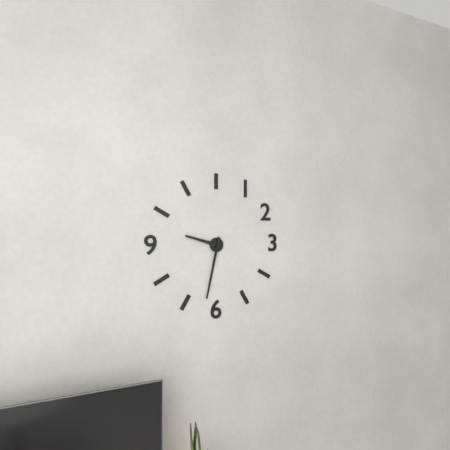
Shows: 9:32
